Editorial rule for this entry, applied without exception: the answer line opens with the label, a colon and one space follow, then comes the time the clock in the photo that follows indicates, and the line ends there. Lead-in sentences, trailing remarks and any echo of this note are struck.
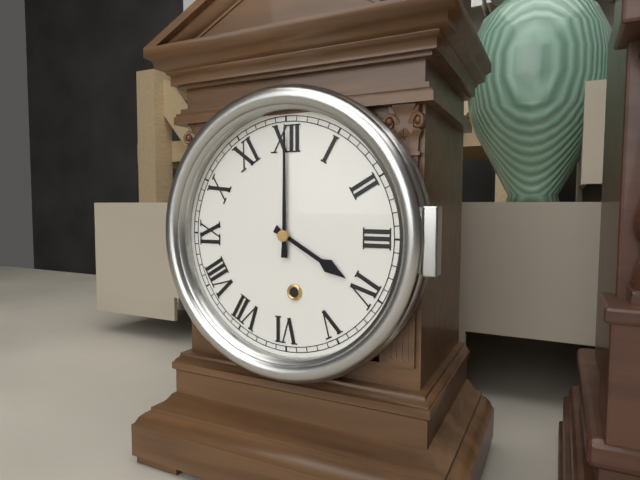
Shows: 4:00
